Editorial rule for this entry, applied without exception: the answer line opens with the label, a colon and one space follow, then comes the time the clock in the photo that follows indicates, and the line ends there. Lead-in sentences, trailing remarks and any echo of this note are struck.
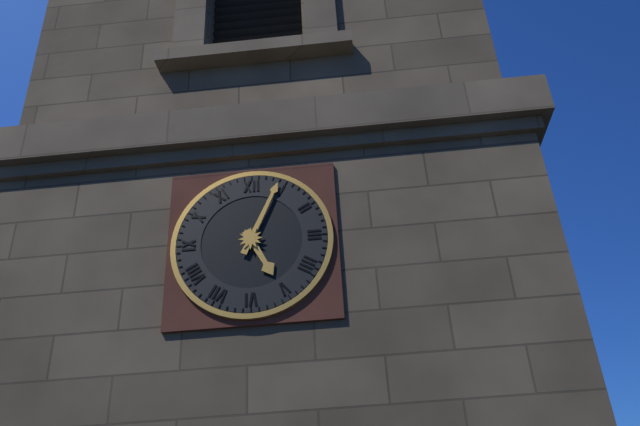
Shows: 5:04
